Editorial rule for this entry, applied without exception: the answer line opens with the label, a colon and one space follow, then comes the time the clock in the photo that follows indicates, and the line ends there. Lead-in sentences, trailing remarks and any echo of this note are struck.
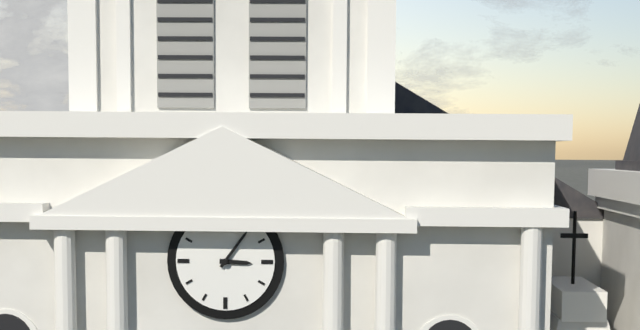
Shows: 3:06
